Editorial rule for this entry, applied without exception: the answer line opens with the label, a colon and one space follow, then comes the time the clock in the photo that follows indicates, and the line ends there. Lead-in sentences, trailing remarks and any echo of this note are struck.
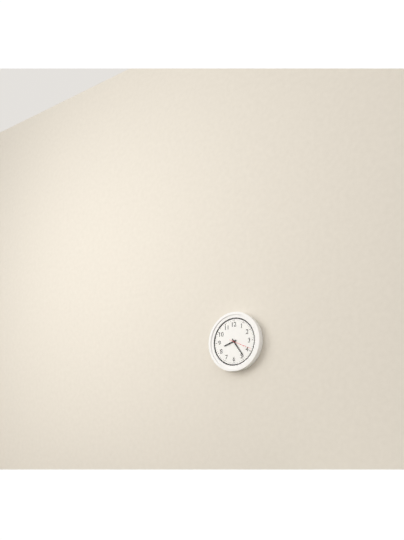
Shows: 8:24
